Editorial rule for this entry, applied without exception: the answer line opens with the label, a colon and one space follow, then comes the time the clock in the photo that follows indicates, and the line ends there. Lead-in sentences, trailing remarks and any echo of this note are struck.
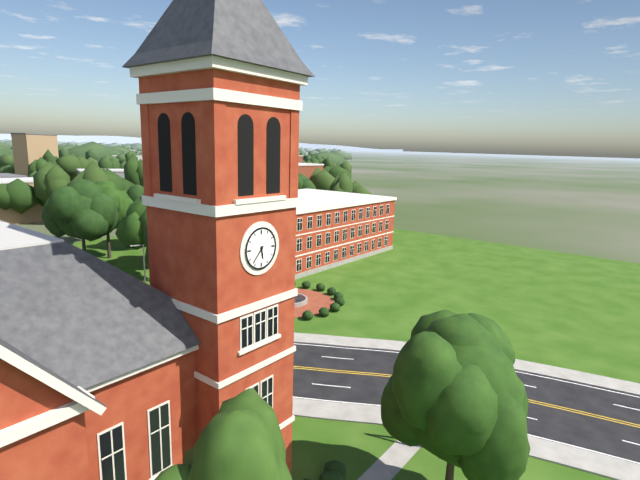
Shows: 5:37
